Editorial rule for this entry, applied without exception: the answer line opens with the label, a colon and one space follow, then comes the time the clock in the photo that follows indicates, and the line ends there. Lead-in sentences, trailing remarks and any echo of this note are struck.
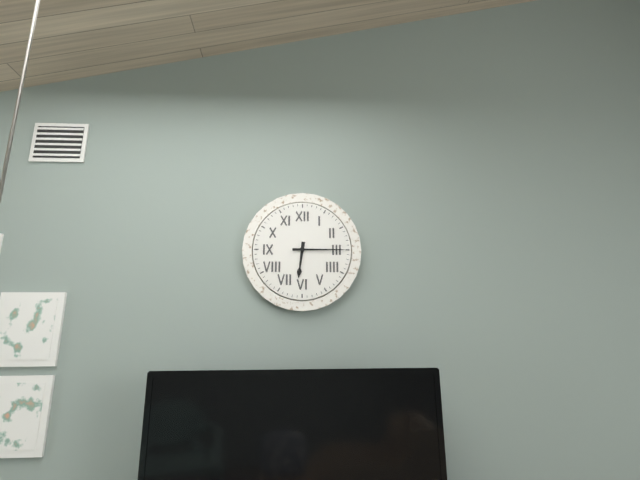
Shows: 6:15
